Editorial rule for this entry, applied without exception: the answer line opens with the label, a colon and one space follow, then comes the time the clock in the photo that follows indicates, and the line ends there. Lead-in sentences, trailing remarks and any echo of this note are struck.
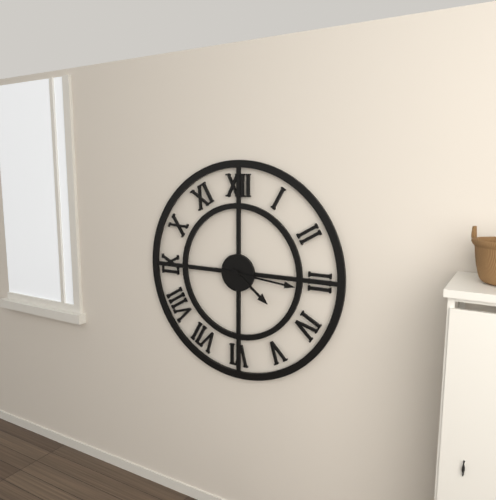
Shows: 4:16
